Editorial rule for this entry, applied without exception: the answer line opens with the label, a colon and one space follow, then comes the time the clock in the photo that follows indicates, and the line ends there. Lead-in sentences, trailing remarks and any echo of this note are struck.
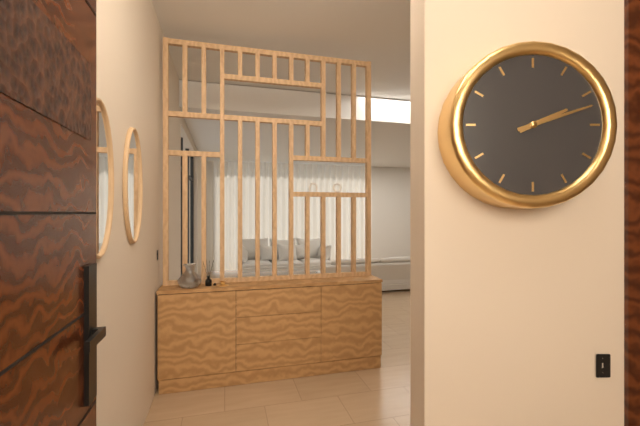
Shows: 2:12
